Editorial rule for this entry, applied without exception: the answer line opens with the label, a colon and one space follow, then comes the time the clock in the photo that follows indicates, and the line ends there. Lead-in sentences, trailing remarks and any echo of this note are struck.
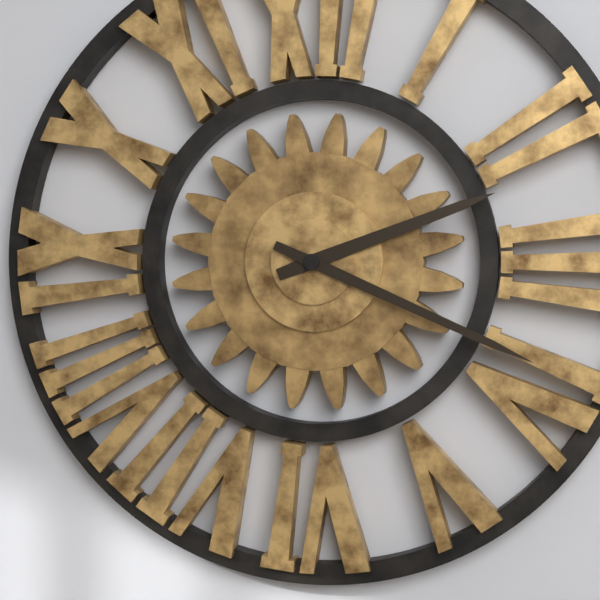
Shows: 2:19
